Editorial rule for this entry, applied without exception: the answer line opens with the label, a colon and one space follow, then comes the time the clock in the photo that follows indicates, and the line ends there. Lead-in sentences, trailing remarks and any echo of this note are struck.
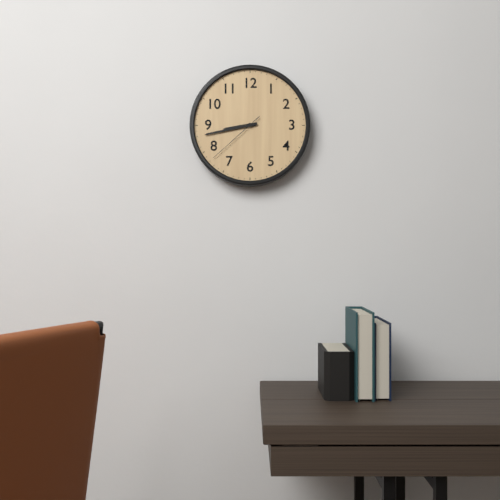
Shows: 8:43:38
